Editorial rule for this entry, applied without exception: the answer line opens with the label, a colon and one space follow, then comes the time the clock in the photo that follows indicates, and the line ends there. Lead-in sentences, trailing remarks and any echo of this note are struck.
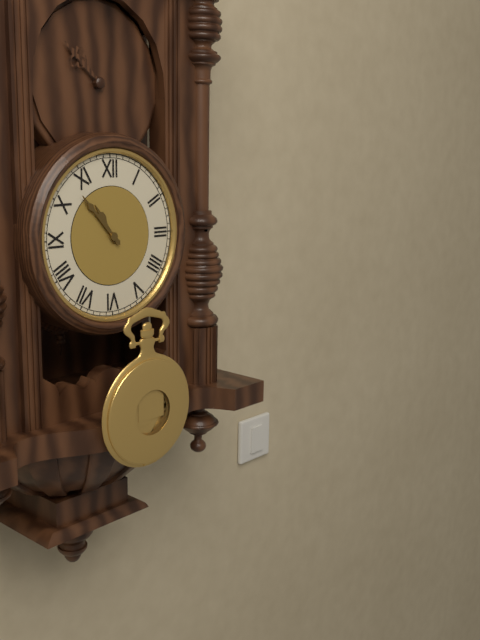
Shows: 10:53
